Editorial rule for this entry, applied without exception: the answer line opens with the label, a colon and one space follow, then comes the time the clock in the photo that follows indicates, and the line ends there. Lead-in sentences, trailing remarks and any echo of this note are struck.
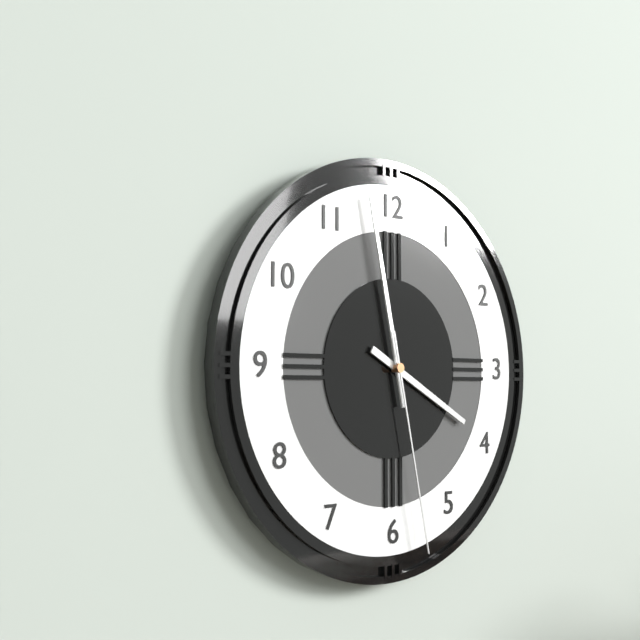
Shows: 3:58:28
